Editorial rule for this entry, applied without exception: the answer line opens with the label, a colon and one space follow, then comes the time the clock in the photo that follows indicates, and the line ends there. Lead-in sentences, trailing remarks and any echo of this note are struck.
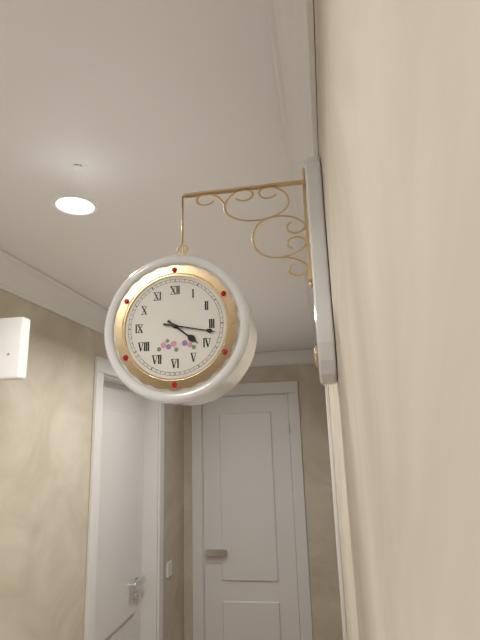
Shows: 4:17
